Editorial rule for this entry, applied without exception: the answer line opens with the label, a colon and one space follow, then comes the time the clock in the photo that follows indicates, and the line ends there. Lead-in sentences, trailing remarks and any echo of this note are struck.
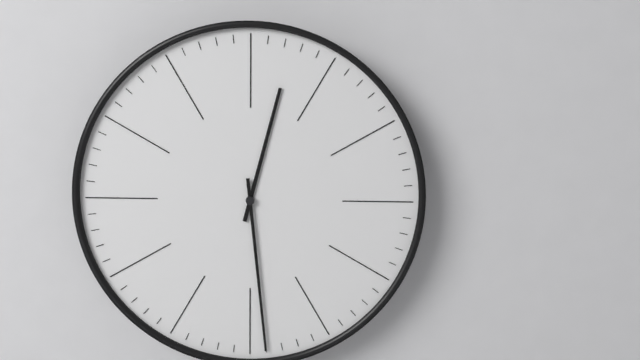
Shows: 12:29
